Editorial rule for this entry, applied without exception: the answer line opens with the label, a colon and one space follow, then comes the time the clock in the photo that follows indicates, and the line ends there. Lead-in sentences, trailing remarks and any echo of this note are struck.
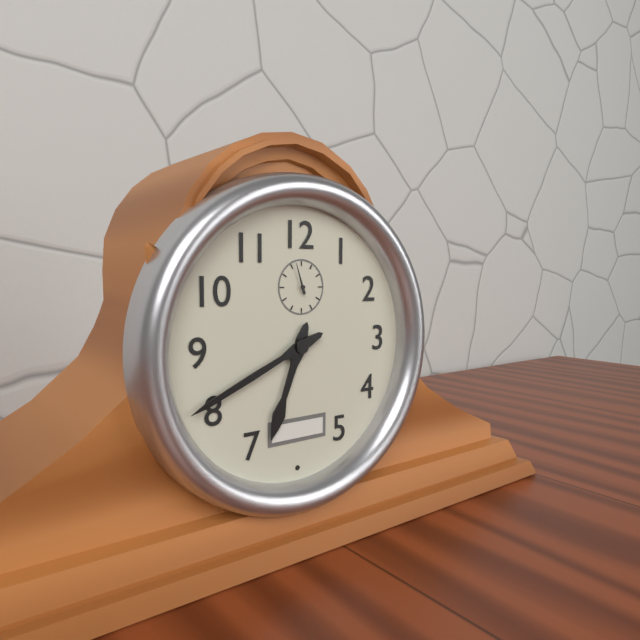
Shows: 6:41
